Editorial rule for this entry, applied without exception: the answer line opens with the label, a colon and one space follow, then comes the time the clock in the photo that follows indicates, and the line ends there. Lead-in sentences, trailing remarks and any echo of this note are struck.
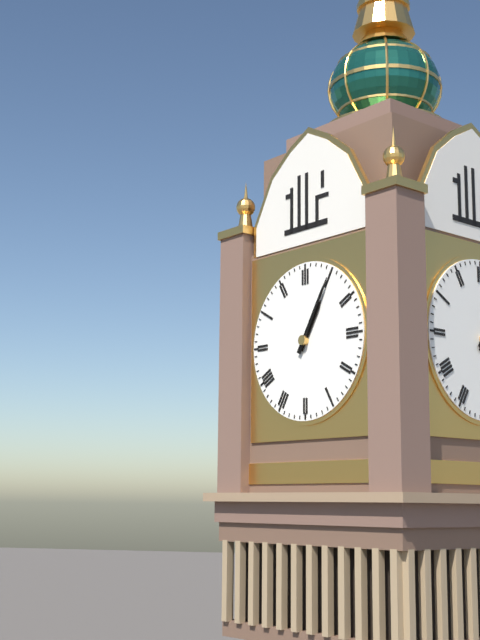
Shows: 1:05
